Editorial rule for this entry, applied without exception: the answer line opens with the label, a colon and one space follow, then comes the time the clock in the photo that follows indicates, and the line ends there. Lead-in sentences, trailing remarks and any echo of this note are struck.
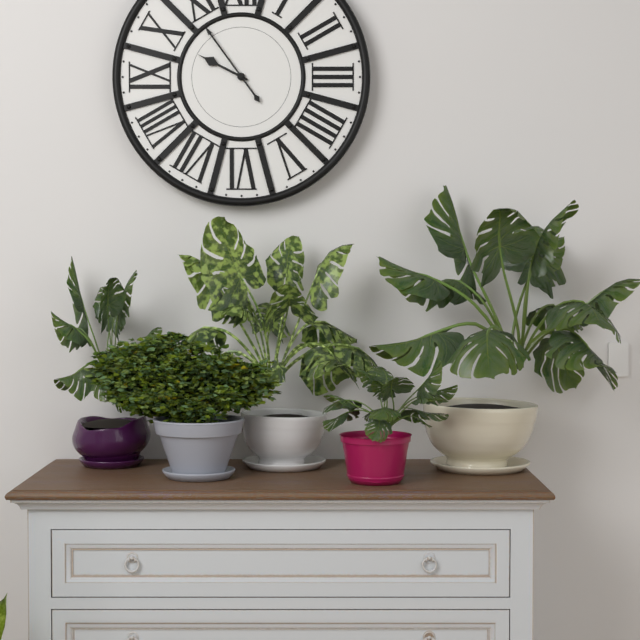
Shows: 9:54
